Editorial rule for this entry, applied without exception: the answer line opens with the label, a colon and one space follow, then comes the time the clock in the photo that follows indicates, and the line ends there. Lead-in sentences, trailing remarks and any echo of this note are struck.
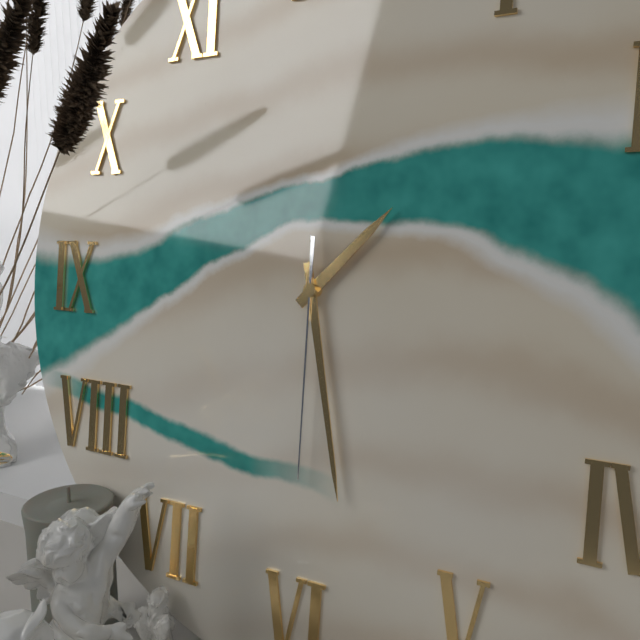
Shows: 1:28:30
